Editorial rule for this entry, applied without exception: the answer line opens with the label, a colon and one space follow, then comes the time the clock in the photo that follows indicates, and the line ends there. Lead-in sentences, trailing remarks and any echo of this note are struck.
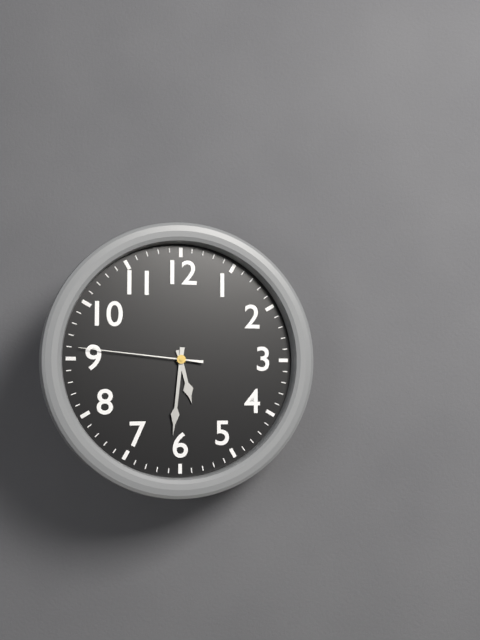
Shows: 5:31:46
